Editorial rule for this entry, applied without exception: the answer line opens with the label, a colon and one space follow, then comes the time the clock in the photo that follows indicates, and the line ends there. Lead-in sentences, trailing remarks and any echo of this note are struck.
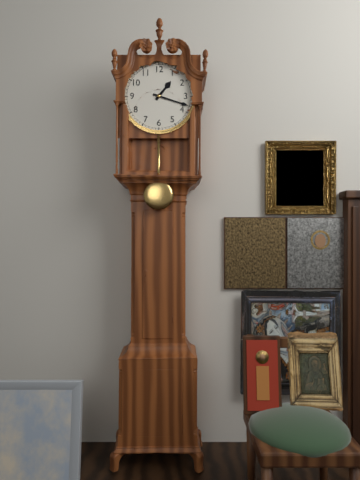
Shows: 1:18
